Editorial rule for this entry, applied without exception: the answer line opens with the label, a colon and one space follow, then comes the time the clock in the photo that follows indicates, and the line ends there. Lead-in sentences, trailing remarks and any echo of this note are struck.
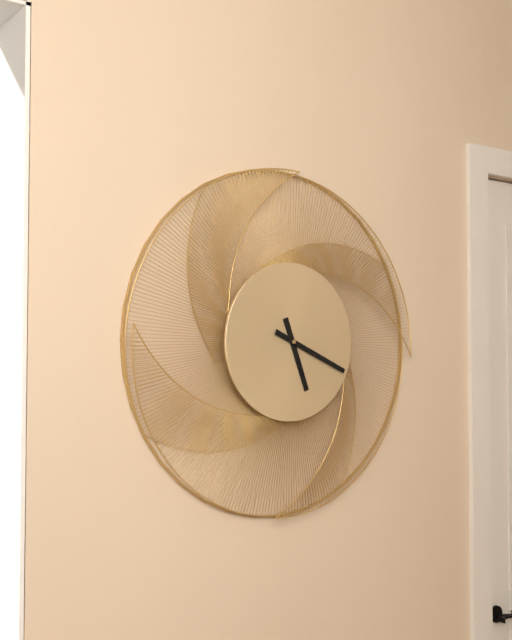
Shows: 5:19
